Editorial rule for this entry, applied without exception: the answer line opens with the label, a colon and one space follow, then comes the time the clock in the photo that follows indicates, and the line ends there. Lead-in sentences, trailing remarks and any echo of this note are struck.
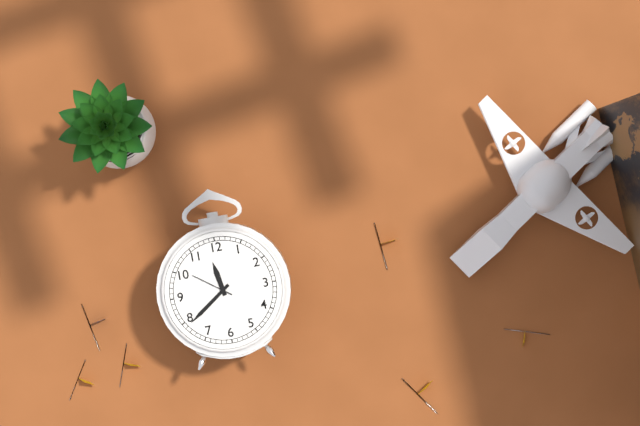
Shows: 11:39
